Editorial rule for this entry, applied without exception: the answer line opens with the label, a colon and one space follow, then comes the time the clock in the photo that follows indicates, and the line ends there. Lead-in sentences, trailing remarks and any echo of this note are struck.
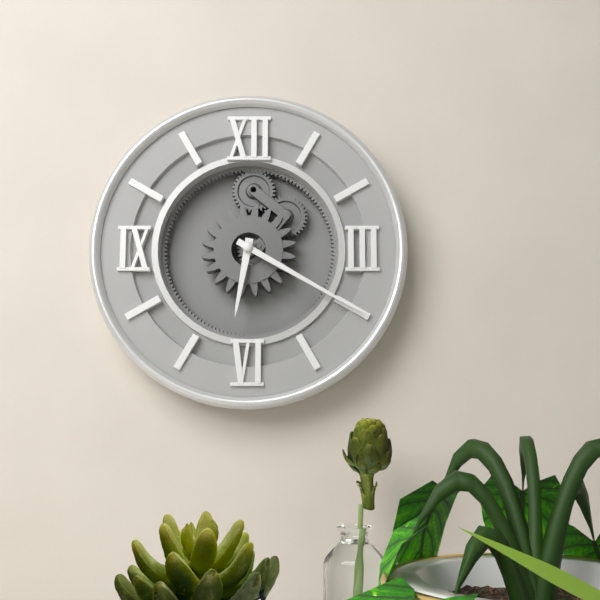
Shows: 6:20
